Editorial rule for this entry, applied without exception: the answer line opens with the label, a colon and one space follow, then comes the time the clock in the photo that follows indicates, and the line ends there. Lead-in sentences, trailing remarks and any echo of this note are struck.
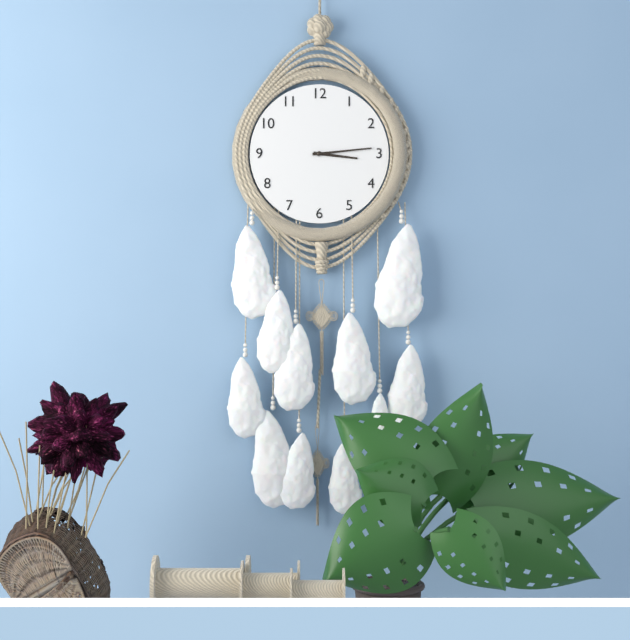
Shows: 3:14
